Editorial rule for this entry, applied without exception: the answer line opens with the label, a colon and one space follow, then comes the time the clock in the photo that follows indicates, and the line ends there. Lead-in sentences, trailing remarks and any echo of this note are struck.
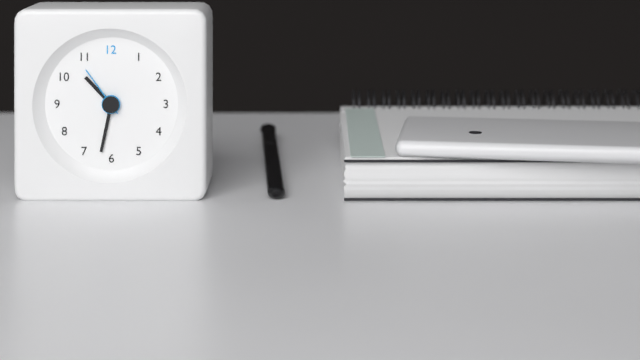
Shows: 10:32:54
